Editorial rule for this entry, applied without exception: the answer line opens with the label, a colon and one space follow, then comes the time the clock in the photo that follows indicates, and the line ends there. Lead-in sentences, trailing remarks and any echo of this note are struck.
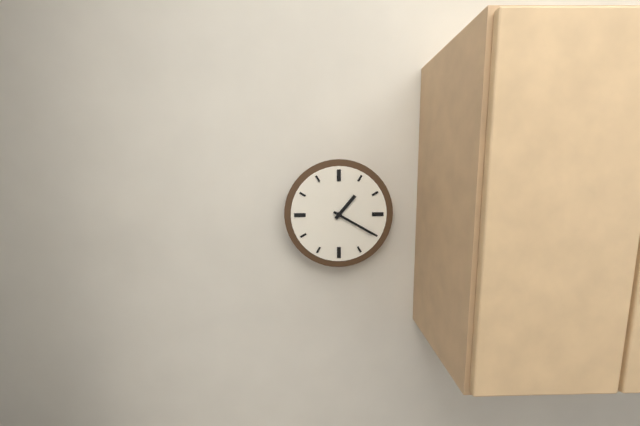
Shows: 1:20
